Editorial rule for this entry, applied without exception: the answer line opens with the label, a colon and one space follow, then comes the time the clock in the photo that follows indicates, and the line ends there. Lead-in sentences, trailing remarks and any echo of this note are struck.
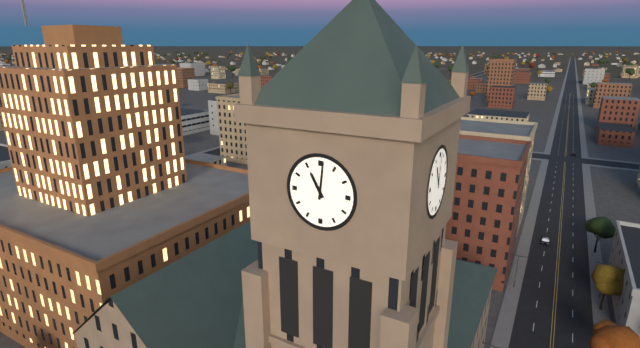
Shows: 11:01
